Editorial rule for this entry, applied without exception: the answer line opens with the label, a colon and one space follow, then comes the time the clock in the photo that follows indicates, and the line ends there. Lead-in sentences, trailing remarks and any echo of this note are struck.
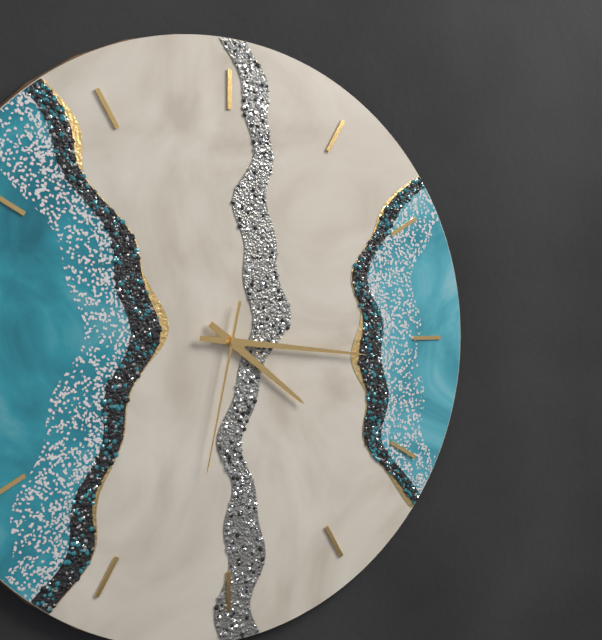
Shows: 4:16:32
